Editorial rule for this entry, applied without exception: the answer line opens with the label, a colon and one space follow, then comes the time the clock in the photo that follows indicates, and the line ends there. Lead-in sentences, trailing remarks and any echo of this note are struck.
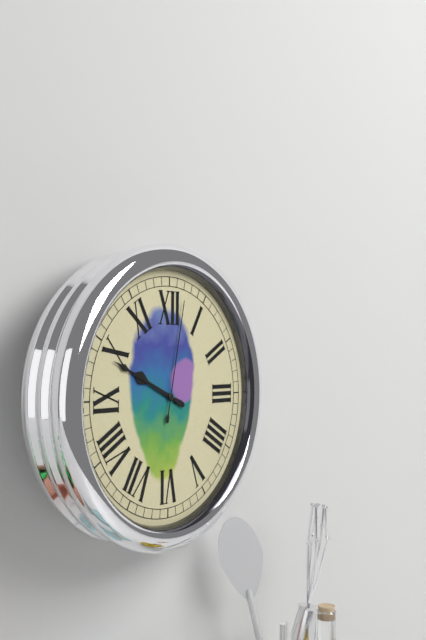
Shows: 9:49:02
